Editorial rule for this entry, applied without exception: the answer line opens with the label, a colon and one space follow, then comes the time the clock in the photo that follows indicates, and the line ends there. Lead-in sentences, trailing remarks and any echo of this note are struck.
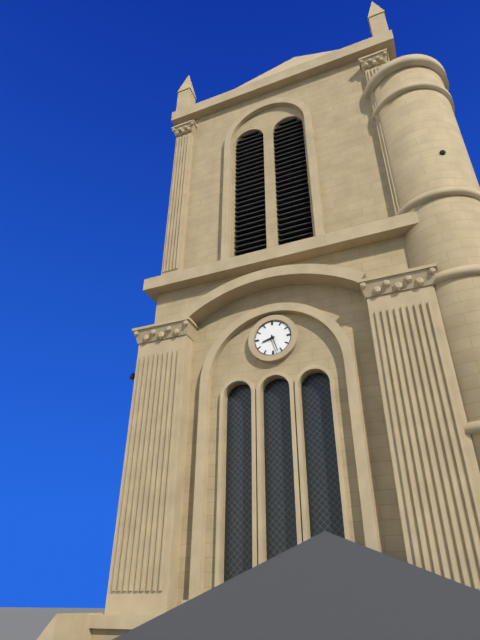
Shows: 8:27
